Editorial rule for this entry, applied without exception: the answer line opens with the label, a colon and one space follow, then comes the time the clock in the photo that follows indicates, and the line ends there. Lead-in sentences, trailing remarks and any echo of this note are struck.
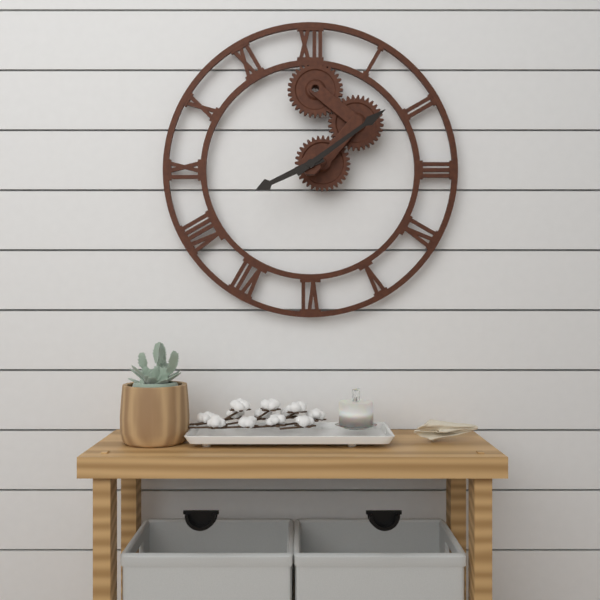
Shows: 8:09
